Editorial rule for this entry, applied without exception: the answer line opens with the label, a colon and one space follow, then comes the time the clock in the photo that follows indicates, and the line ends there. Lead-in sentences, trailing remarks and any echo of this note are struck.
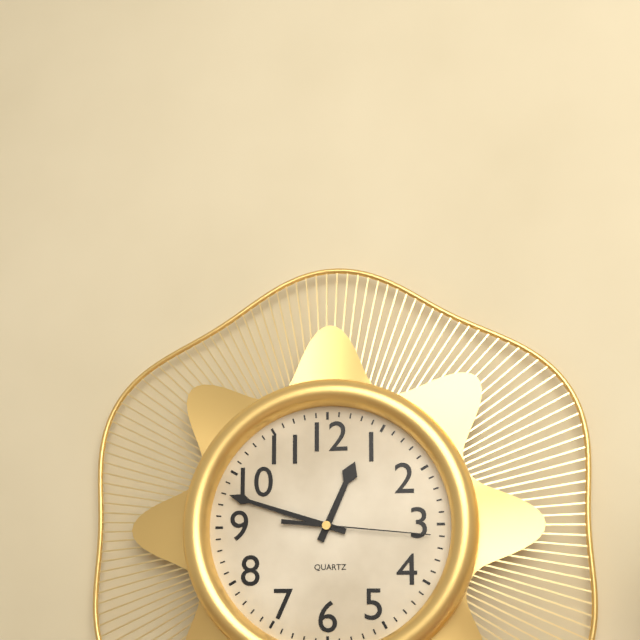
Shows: 12:48:16
